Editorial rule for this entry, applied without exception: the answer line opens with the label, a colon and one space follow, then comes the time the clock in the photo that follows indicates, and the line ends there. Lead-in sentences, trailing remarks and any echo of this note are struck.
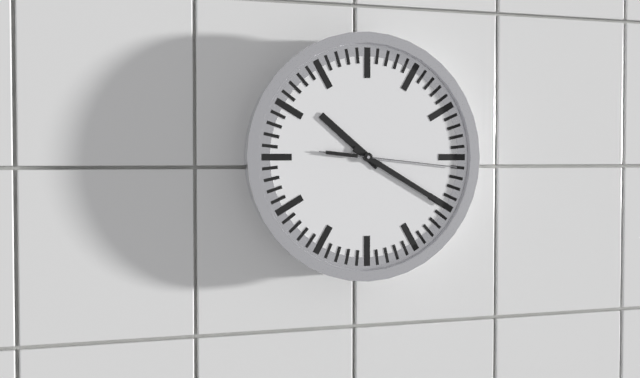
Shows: 10:20:16
